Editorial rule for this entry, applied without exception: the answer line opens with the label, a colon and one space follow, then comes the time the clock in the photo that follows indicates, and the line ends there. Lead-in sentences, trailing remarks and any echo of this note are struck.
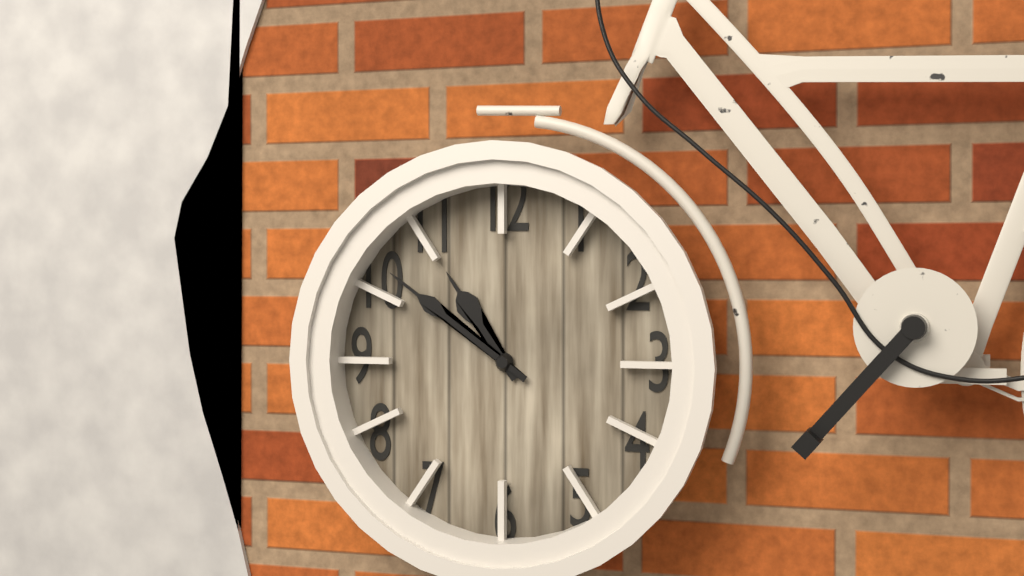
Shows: 10:51
